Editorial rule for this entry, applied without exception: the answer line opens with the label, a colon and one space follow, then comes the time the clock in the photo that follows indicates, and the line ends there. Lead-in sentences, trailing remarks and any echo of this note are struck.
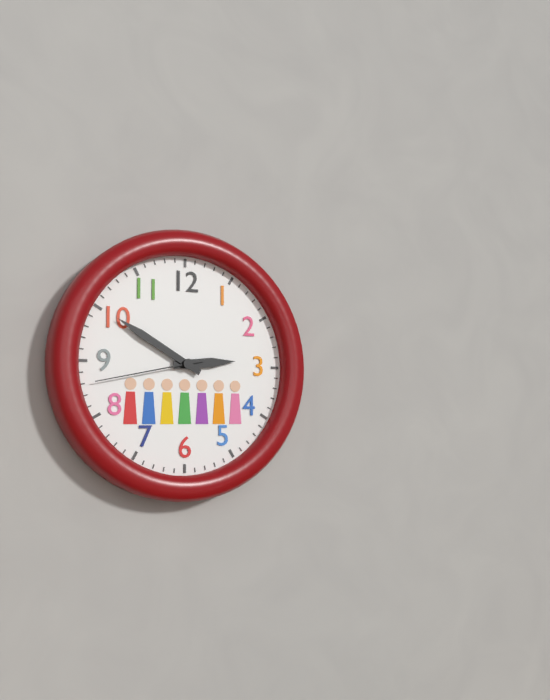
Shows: 2:50:43
